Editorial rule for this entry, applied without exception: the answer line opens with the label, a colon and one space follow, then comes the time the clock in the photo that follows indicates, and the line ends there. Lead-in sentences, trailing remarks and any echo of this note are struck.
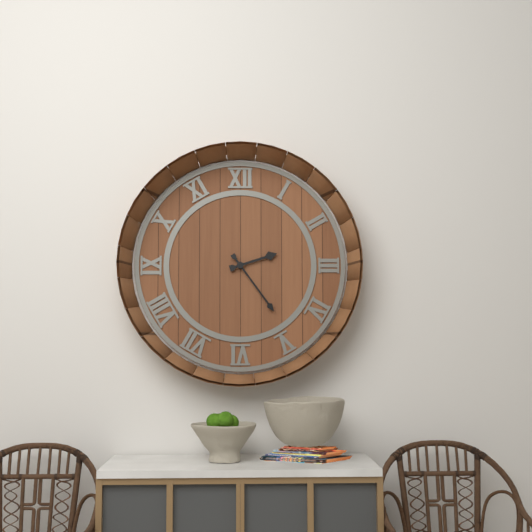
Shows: 2:24
